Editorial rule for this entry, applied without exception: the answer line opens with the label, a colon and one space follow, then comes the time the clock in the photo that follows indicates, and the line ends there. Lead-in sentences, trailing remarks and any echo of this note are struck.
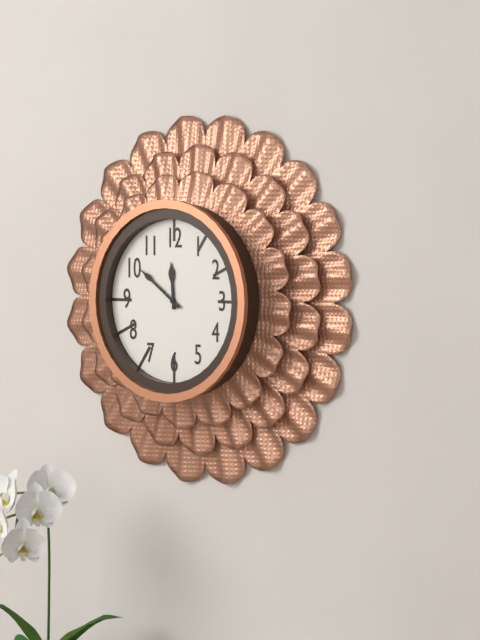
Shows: 11:51
